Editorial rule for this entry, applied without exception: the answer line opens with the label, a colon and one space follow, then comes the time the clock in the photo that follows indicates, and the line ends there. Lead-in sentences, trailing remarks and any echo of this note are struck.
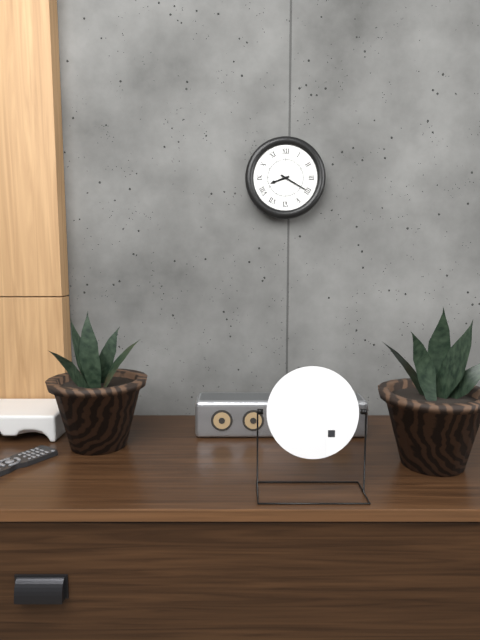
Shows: 8:20
